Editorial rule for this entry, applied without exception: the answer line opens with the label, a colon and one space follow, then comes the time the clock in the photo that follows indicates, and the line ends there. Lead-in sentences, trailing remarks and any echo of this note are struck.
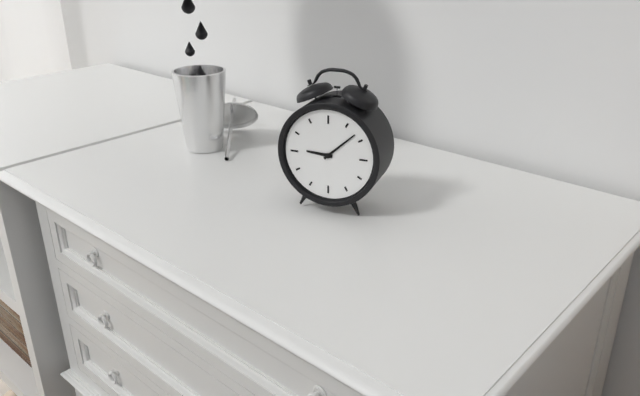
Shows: 9:08
